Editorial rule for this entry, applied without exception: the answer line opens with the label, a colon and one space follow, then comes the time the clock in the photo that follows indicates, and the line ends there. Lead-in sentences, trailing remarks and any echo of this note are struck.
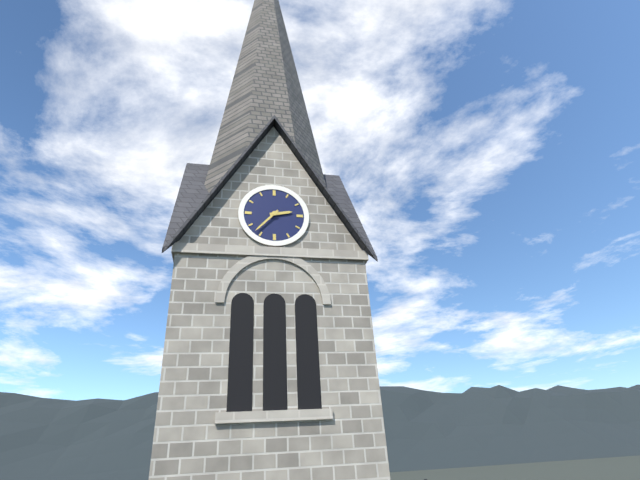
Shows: 2:37
